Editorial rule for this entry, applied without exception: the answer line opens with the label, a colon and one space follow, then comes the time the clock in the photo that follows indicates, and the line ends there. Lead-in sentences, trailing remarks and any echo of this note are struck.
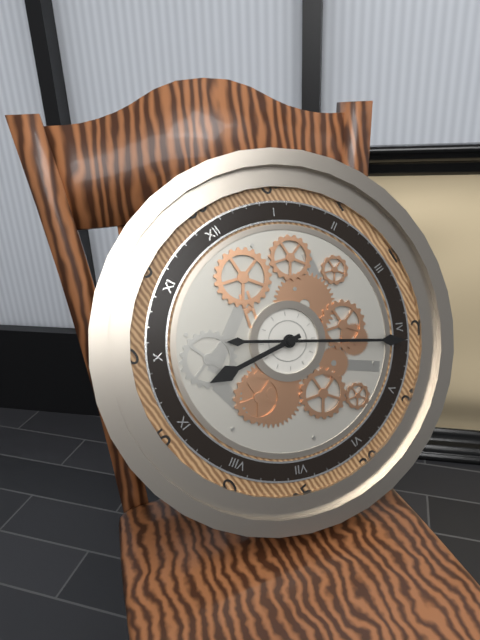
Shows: 9:21
